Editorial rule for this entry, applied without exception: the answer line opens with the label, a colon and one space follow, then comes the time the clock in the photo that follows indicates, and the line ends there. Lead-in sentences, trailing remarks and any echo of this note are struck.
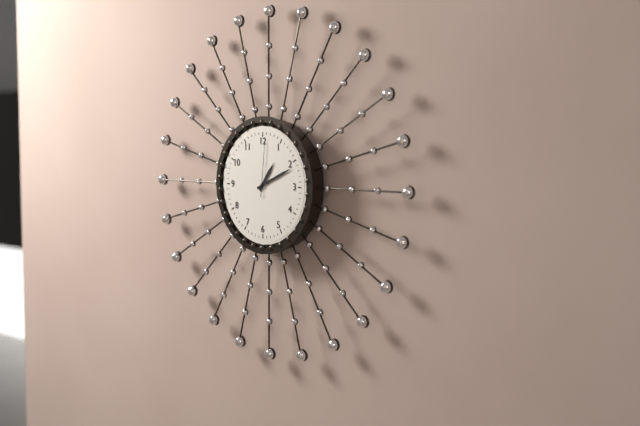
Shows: 1:11:01
